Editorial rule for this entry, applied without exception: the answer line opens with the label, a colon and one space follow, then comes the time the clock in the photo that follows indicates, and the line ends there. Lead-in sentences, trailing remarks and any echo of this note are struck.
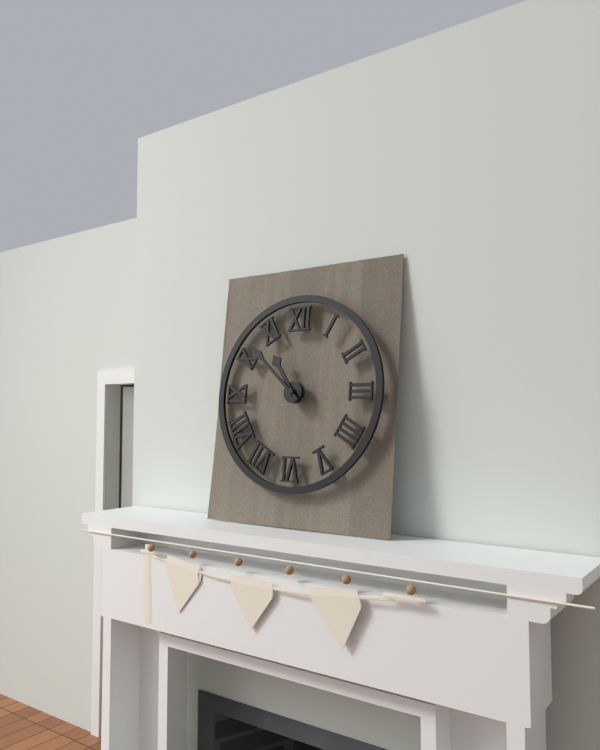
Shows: 10:52
